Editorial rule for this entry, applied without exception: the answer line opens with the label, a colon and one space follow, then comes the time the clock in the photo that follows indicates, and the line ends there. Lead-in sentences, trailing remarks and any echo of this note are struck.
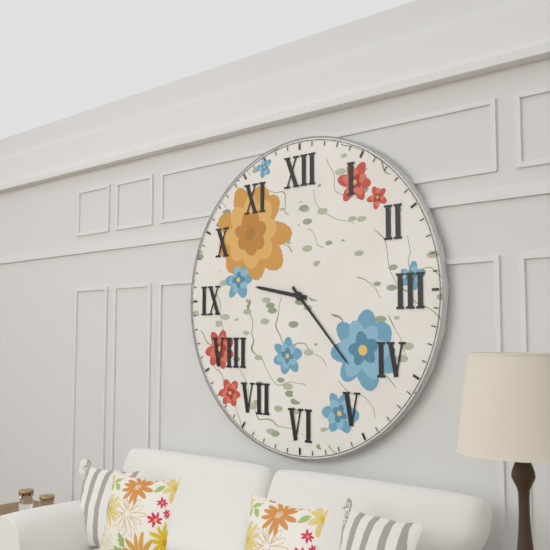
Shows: 9:23
